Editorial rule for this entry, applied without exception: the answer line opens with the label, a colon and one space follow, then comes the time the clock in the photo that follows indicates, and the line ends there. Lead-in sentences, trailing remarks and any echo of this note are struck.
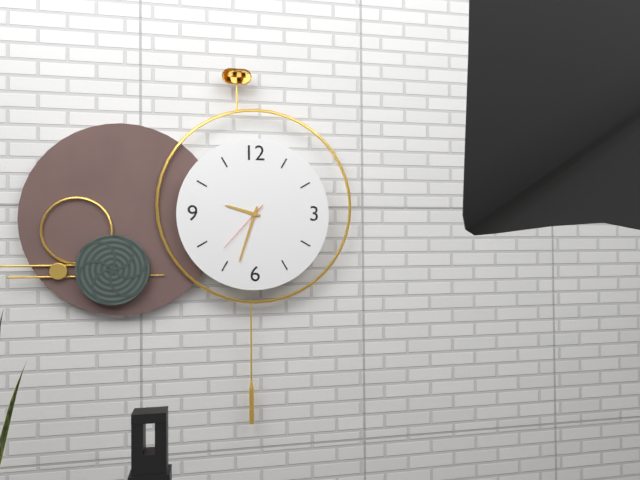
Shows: 9:33:37
